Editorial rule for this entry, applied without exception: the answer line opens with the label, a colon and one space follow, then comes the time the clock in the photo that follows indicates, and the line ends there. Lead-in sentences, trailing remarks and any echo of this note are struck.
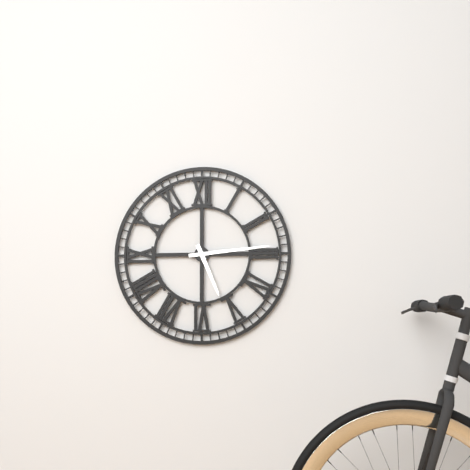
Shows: 5:14
